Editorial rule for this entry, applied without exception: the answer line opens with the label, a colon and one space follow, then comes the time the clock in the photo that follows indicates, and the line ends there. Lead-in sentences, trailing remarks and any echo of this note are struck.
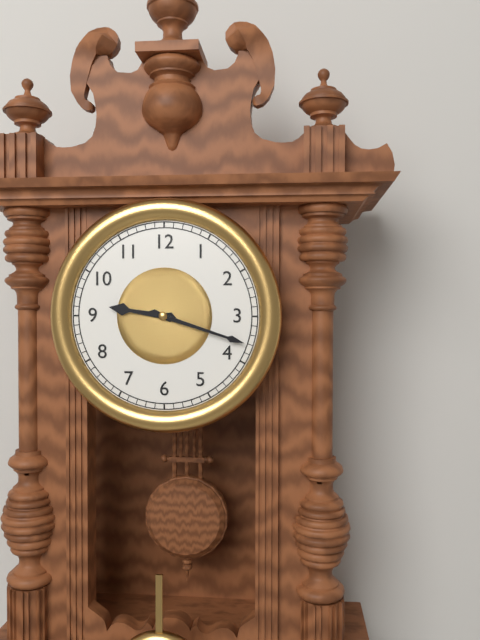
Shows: 9:18
